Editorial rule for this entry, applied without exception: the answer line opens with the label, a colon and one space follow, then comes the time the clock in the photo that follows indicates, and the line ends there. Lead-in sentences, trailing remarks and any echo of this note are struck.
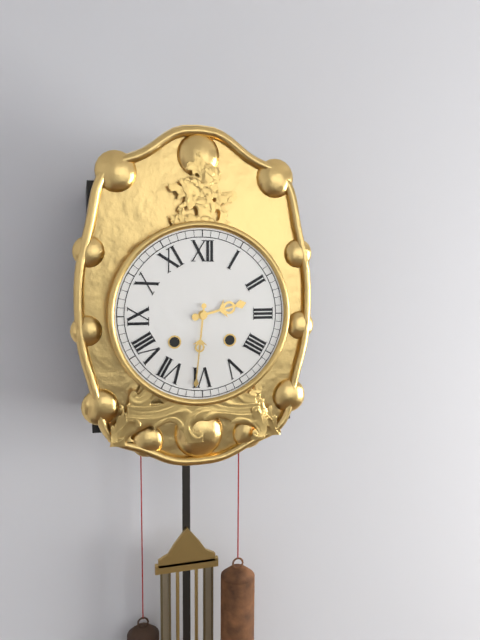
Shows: 2:31
